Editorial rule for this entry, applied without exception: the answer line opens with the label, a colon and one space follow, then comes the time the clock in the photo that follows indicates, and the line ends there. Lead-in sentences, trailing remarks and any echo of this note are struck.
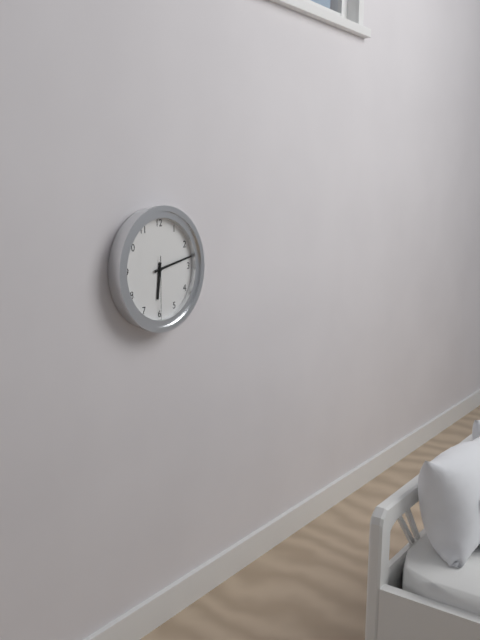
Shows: 6:13:30
